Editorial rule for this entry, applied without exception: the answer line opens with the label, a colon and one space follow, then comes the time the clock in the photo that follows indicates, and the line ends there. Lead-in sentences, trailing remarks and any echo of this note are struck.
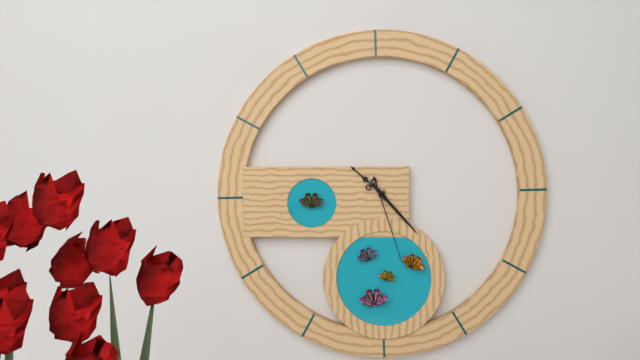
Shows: 10:23:27
